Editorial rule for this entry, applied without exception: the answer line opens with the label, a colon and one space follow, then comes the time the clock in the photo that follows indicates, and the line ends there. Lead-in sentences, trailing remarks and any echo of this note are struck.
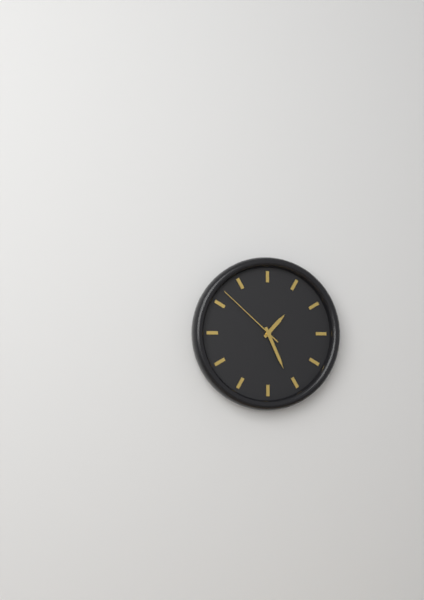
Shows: 1:26:52
